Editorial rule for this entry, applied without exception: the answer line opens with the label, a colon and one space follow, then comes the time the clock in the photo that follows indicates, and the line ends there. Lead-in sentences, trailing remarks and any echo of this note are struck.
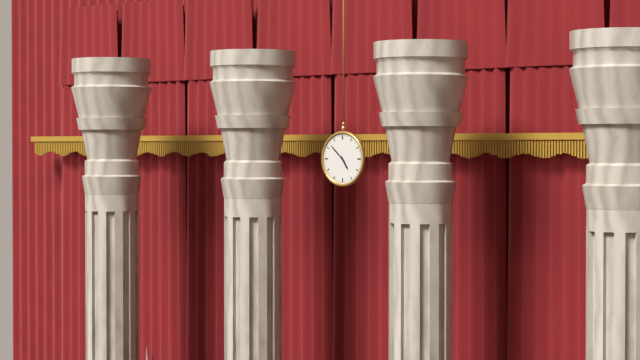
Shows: 4:52
